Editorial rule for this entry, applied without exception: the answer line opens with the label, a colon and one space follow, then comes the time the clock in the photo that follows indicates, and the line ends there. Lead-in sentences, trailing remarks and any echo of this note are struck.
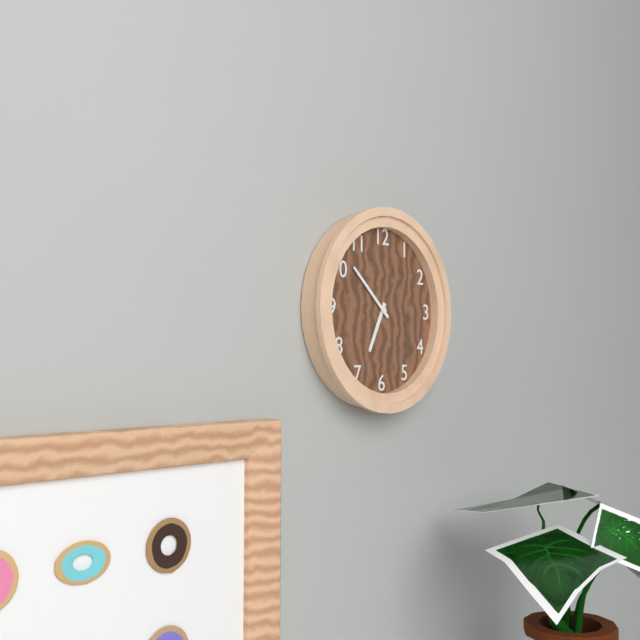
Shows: 6:52
